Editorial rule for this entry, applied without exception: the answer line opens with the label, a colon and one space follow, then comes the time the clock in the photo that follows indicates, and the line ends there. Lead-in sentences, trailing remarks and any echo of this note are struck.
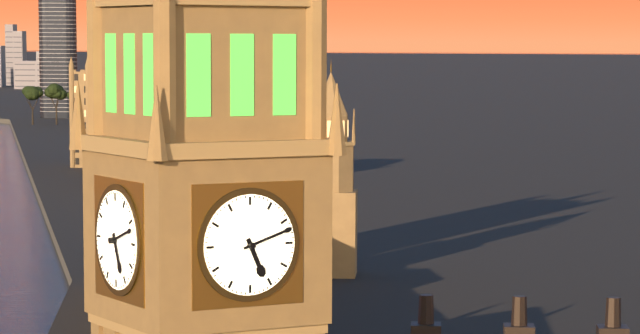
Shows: 5:12
